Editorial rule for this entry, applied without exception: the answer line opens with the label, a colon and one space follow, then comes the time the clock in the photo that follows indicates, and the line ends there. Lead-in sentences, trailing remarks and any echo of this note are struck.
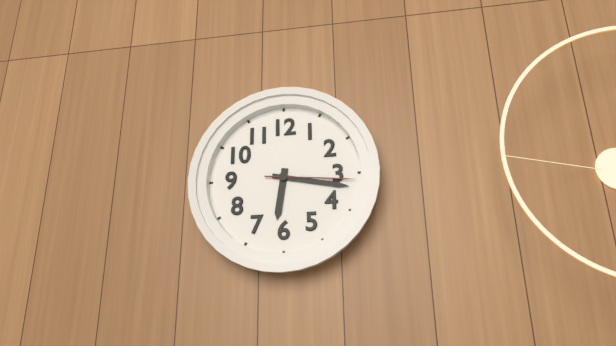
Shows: 6:17:16
